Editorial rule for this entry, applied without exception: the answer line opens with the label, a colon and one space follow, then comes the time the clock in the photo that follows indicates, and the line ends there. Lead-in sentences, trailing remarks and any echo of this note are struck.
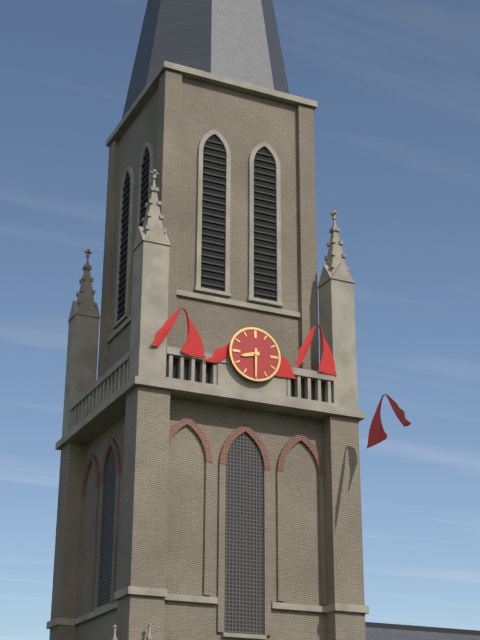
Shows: 8:30
